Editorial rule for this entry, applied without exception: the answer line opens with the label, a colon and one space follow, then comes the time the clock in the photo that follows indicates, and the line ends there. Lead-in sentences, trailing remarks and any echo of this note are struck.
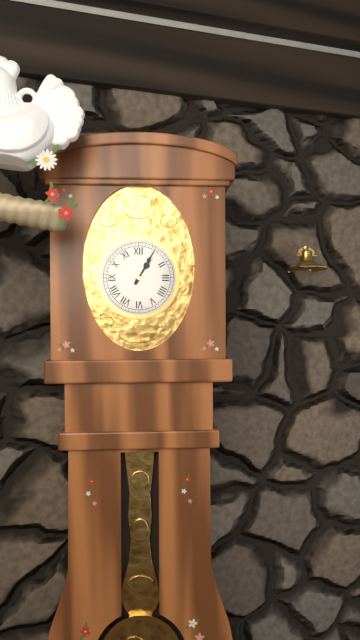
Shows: 1:05
